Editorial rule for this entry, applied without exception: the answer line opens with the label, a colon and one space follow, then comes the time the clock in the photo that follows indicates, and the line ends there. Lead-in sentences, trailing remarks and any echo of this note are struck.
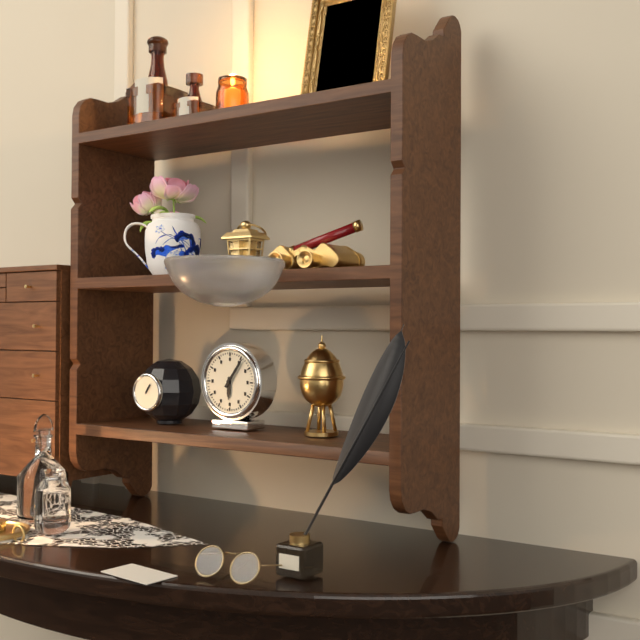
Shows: 6:06
